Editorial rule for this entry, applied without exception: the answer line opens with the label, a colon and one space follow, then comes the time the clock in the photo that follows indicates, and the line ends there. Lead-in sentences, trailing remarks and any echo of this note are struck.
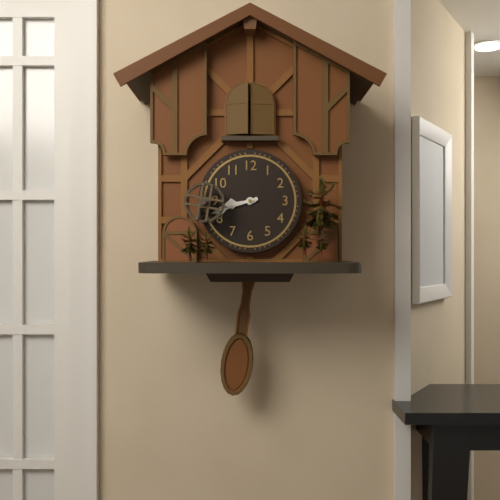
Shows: 8:42
